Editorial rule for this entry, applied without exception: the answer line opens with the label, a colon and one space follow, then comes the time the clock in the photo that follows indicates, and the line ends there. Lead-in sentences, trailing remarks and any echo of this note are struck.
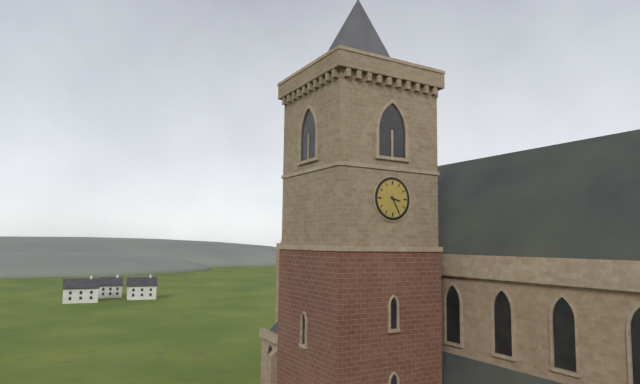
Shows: 3:25
